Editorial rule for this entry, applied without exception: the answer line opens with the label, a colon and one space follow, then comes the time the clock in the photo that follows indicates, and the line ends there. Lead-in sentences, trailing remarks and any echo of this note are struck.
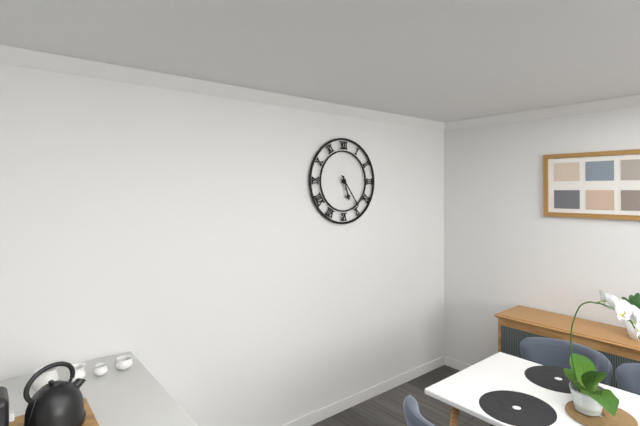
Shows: 5:24
